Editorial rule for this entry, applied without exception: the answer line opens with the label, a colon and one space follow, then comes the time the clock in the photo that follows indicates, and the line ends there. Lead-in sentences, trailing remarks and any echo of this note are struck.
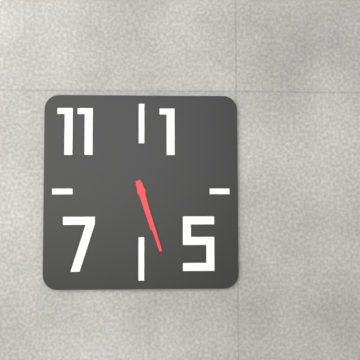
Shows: 5:27
